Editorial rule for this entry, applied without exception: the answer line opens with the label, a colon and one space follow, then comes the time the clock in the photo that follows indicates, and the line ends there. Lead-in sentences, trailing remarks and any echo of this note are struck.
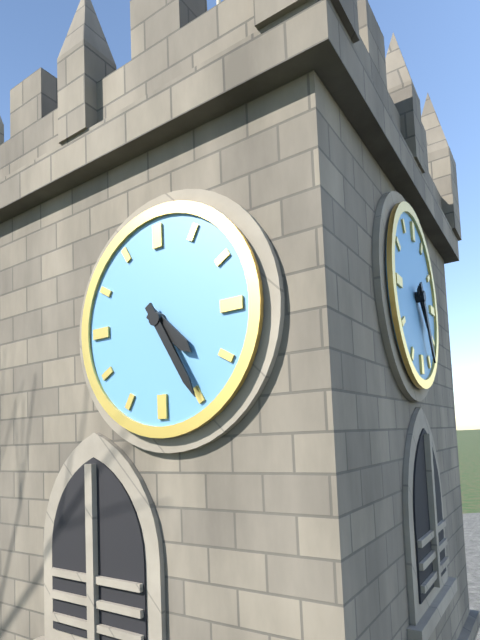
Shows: 4:25
